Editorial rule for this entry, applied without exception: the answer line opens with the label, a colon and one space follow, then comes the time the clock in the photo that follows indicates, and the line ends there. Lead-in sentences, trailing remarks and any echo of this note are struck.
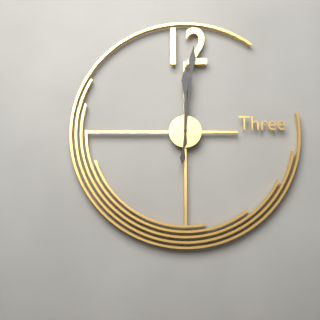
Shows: 12:01
